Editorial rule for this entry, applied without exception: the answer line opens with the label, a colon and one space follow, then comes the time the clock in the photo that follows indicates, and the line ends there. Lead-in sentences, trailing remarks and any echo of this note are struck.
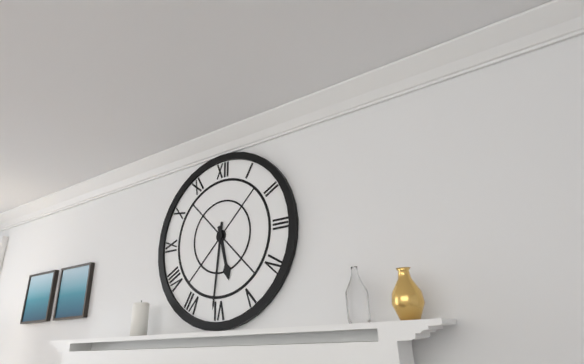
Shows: 5:31
